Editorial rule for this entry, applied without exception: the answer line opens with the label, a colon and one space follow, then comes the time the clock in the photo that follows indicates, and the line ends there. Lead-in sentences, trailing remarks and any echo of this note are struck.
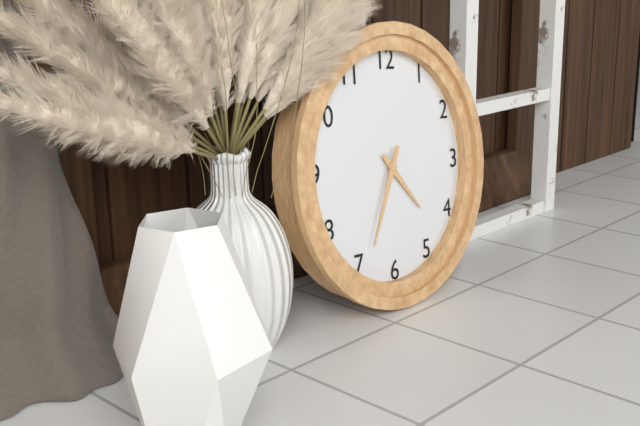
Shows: 4:34
